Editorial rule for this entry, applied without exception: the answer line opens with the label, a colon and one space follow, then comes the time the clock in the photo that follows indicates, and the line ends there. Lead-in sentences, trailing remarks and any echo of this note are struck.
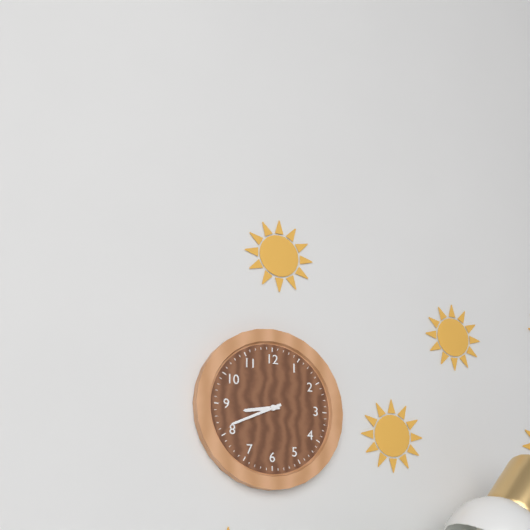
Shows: 8:41
